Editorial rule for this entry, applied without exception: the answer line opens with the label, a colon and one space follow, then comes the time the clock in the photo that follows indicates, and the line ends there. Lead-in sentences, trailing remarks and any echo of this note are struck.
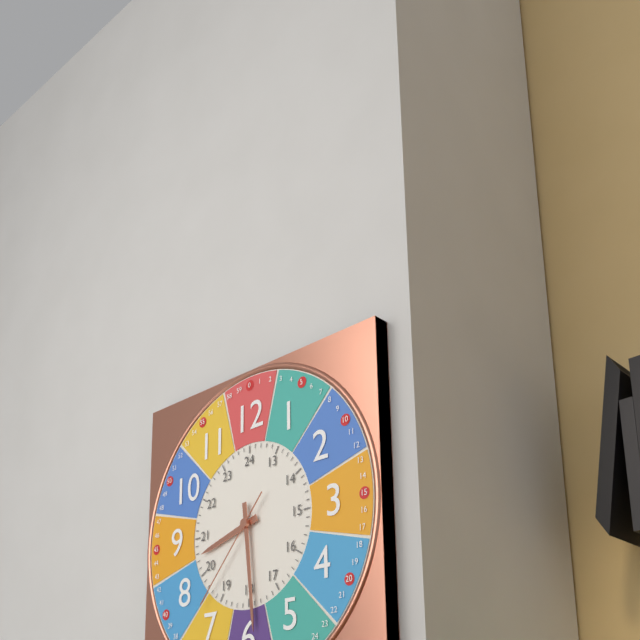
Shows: 8:29:37
